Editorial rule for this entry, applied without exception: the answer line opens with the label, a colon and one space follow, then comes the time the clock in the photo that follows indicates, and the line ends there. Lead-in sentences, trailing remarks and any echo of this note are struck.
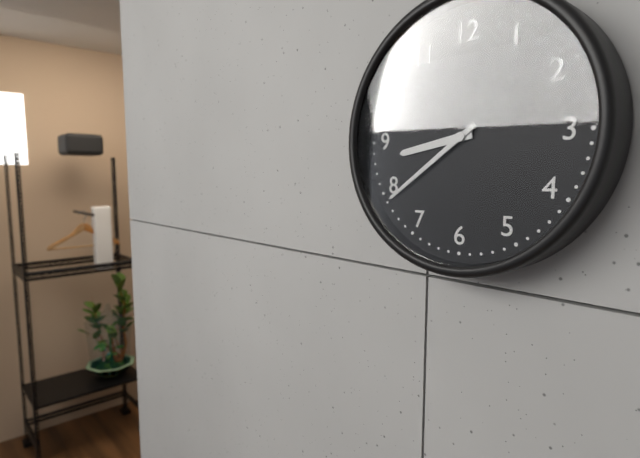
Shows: 8:39
